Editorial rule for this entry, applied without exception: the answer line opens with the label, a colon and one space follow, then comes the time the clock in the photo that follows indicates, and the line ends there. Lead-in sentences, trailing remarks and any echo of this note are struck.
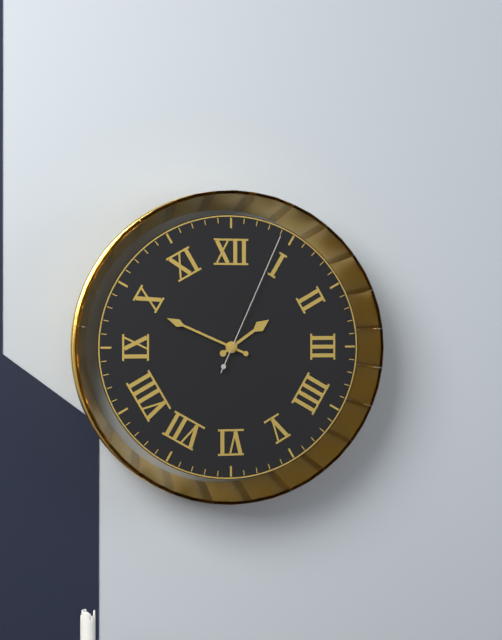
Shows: 1:49:04
